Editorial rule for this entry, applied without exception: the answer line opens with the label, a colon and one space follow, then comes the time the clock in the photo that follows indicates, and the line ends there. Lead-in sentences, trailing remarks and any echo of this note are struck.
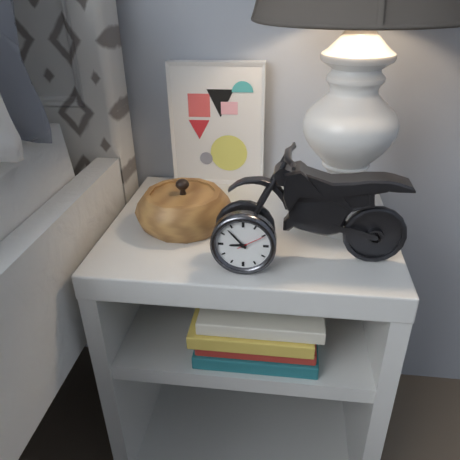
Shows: 8:53
